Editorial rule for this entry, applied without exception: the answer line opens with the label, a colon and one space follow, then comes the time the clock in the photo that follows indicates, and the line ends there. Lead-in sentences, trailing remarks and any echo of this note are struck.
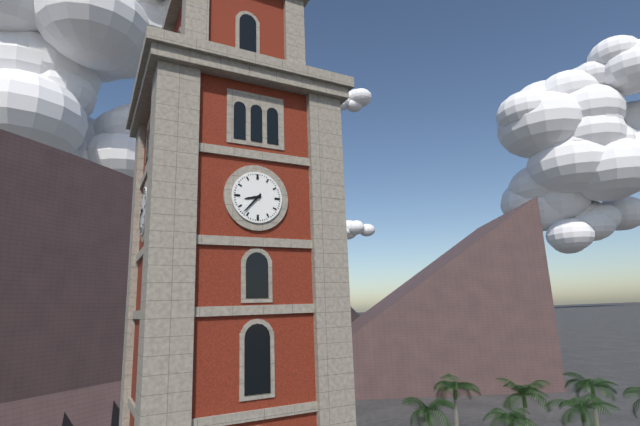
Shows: 8:37
